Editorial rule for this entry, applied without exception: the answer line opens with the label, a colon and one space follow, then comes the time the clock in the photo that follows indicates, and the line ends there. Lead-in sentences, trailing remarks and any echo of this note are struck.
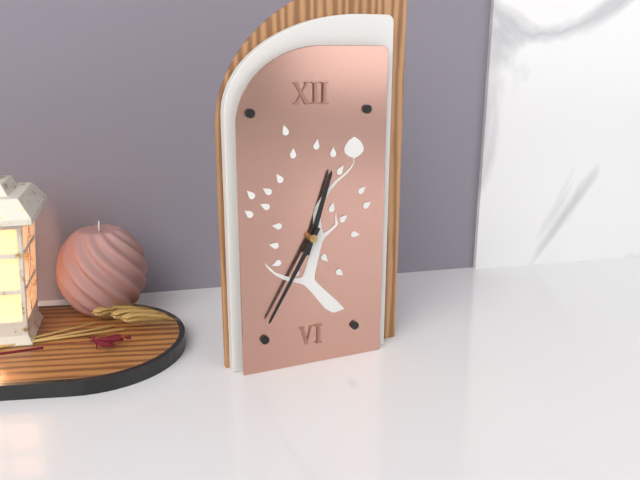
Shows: 12:35
